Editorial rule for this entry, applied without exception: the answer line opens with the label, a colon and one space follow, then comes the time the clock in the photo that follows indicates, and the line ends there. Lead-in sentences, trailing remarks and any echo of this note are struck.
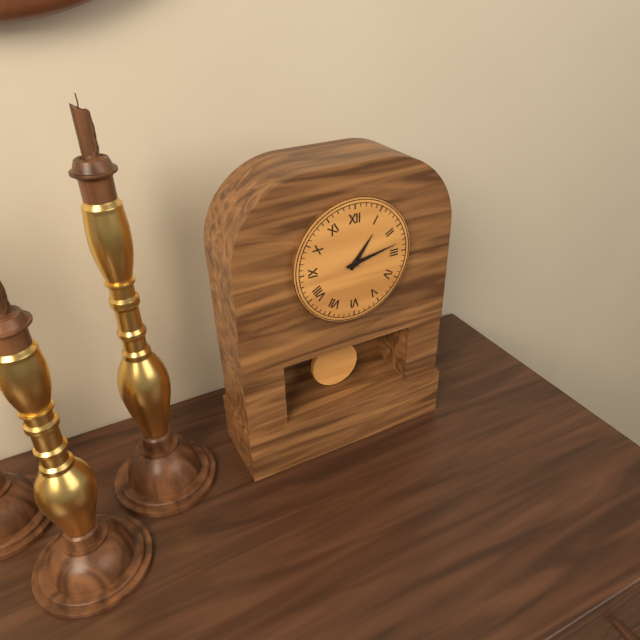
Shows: 1:13
